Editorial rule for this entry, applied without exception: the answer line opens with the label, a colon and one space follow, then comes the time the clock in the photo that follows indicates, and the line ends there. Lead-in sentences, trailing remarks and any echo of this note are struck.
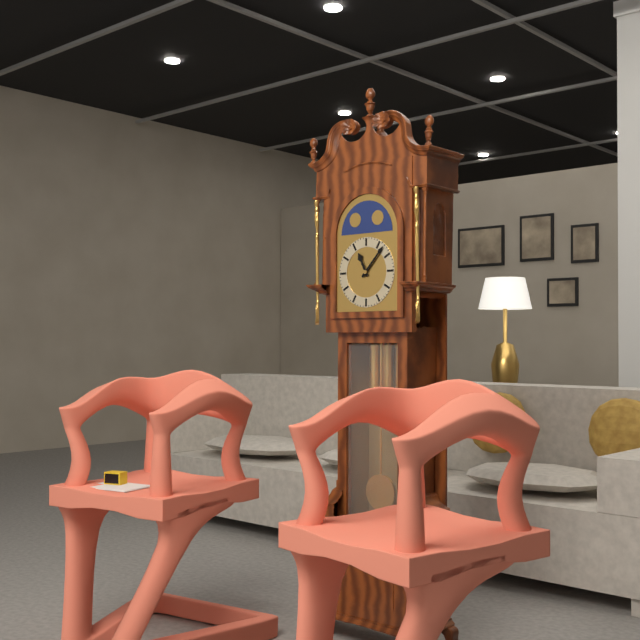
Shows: 11:07
